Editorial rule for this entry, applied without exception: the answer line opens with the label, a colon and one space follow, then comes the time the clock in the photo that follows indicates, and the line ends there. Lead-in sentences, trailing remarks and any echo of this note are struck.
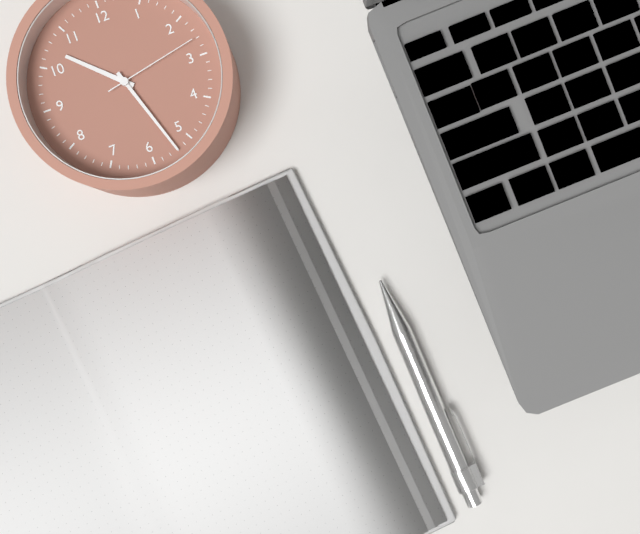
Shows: 10:27:13
